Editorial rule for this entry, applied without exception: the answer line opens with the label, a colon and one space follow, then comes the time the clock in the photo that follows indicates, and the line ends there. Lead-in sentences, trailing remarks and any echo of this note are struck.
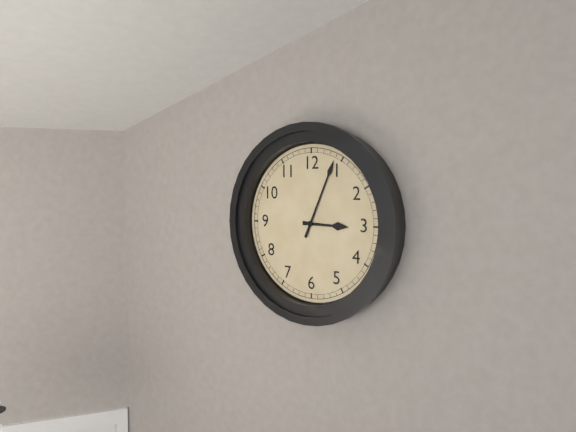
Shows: 3:04
